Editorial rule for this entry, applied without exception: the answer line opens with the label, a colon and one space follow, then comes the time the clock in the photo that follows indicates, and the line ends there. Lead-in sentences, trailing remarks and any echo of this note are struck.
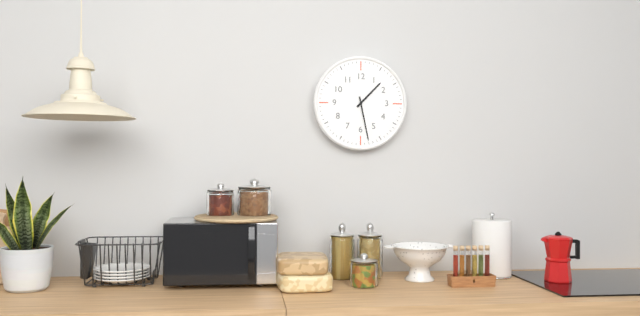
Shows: 1:28
